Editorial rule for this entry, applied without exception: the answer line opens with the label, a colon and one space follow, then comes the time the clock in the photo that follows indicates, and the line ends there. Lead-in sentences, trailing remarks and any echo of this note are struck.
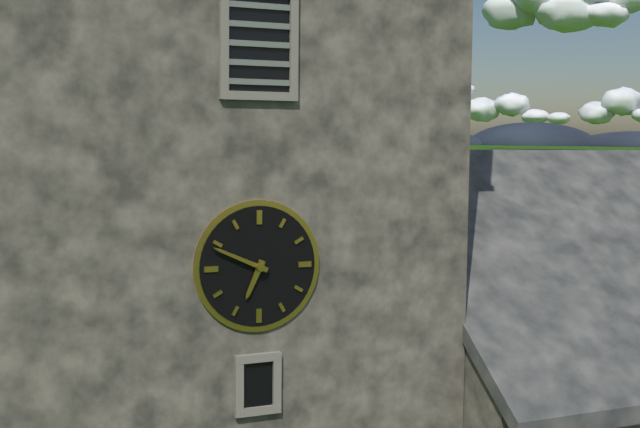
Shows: 6:49
